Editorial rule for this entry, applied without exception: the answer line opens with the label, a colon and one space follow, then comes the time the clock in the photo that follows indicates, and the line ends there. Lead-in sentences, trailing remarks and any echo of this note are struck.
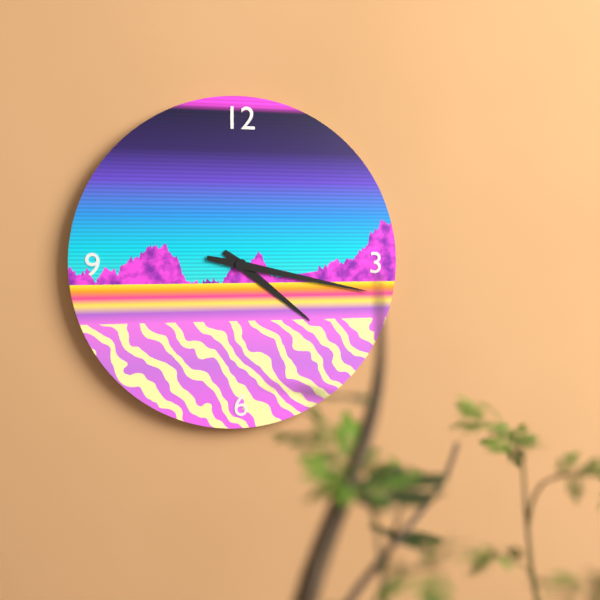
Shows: 4:17
